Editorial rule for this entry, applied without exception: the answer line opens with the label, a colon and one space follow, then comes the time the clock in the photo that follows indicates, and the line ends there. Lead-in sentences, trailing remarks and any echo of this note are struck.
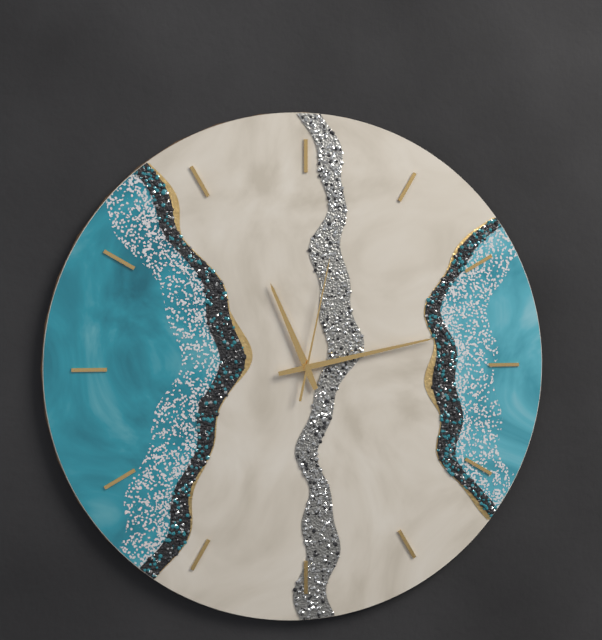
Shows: 11:13:02
